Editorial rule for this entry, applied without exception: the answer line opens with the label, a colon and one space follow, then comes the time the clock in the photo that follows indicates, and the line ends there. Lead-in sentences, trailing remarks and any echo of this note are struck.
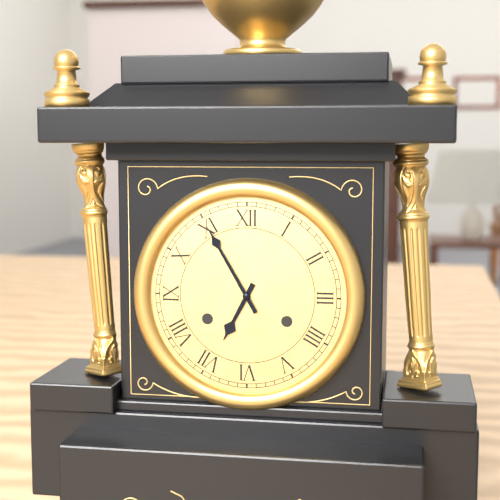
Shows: 6:55
